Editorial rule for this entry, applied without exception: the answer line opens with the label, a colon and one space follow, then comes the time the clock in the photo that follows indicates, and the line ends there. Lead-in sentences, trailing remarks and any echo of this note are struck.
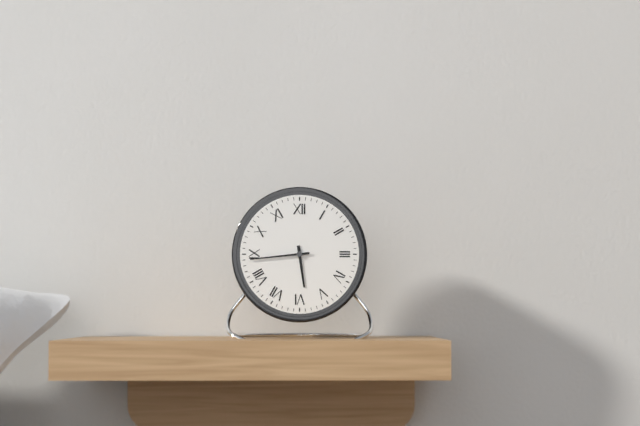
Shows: 5:44
